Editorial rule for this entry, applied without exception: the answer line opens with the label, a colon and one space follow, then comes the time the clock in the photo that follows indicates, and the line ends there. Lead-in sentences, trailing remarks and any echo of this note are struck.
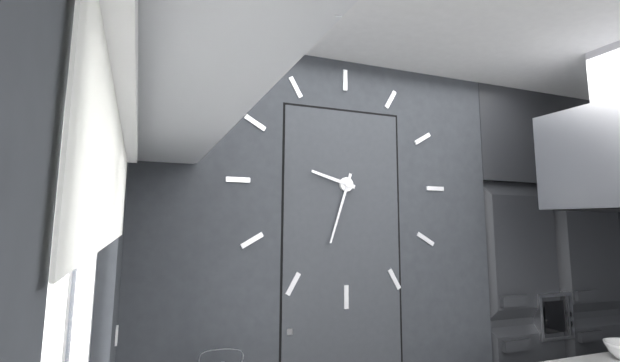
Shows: 9:33
